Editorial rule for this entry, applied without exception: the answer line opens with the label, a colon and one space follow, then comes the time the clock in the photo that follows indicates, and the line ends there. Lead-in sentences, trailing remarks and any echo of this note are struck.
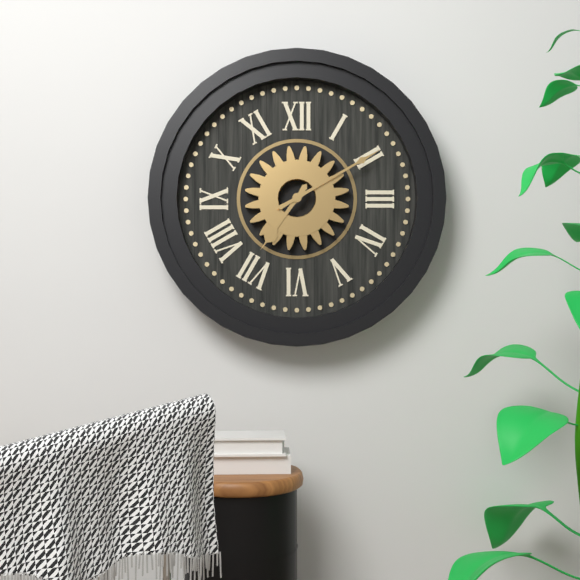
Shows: 7:10
